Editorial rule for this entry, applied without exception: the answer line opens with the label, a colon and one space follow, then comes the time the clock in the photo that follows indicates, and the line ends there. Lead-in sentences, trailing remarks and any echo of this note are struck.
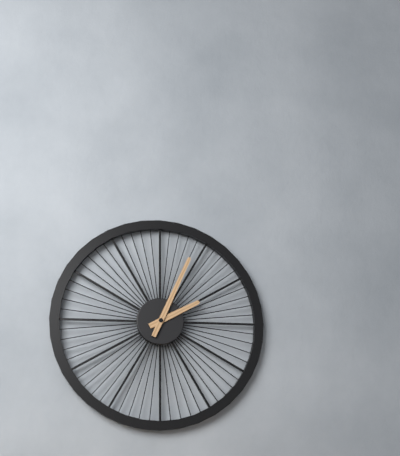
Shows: 2:04
